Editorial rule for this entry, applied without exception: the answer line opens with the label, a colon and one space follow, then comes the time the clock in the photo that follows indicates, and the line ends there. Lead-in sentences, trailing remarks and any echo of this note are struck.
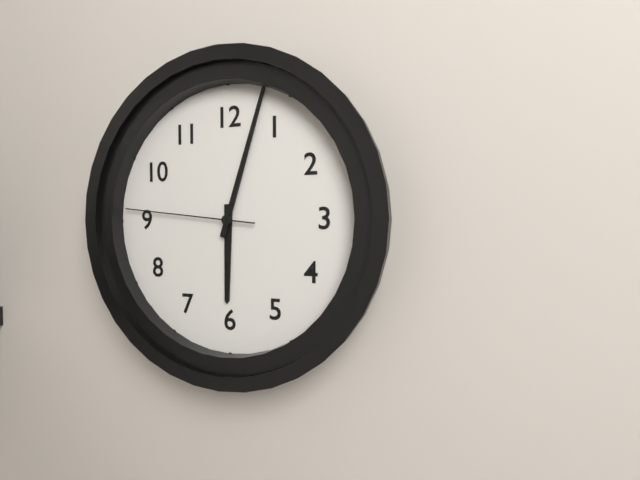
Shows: 6:03:46
